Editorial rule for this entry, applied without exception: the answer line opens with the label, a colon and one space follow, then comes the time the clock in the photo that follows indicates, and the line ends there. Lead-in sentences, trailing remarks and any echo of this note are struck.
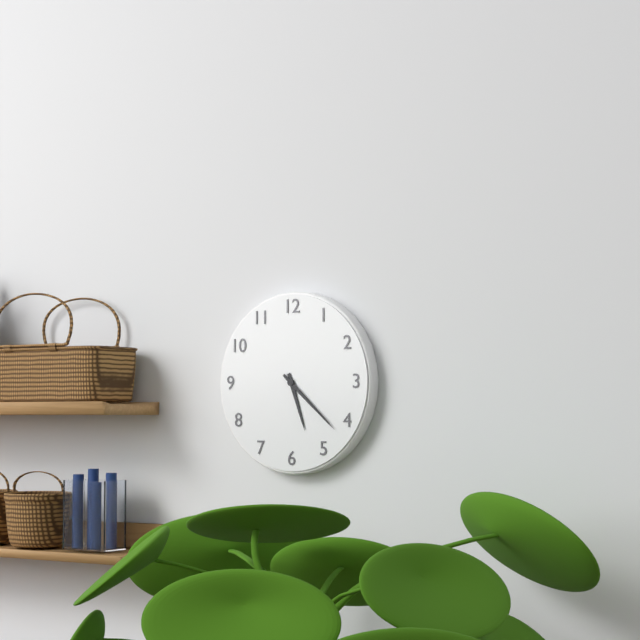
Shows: 5:22
